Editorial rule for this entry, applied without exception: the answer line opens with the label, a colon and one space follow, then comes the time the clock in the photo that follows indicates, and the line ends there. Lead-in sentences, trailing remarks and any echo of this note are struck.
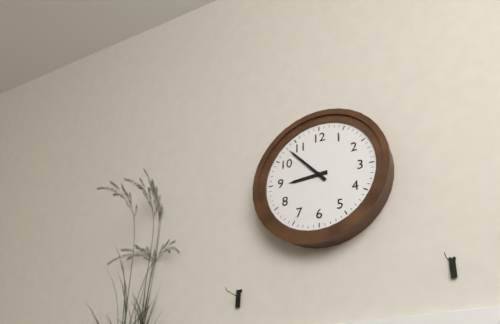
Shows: 8:53
